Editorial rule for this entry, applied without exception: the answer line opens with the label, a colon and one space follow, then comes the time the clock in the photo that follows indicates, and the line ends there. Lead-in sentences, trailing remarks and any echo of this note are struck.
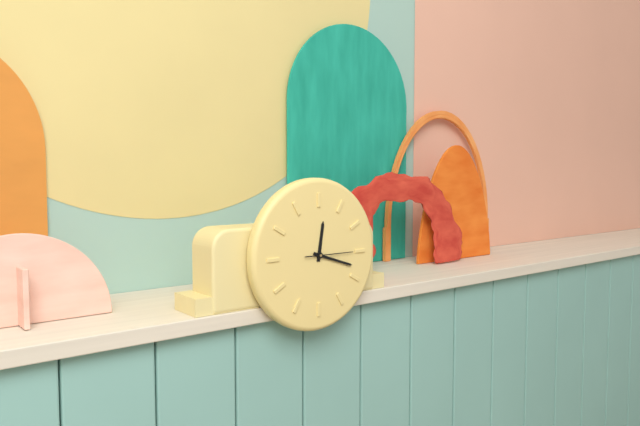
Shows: 12:18
